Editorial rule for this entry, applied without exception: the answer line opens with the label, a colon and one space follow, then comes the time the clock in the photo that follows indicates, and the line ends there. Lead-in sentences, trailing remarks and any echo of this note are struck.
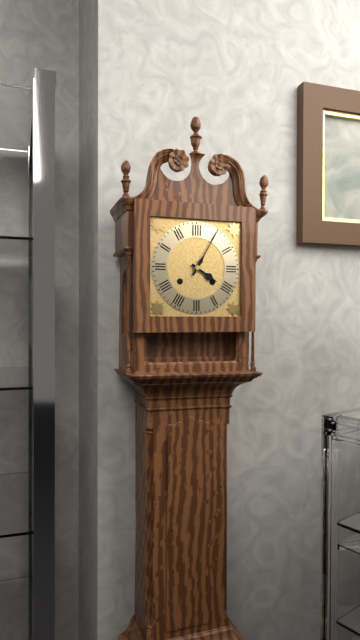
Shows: 4:05
